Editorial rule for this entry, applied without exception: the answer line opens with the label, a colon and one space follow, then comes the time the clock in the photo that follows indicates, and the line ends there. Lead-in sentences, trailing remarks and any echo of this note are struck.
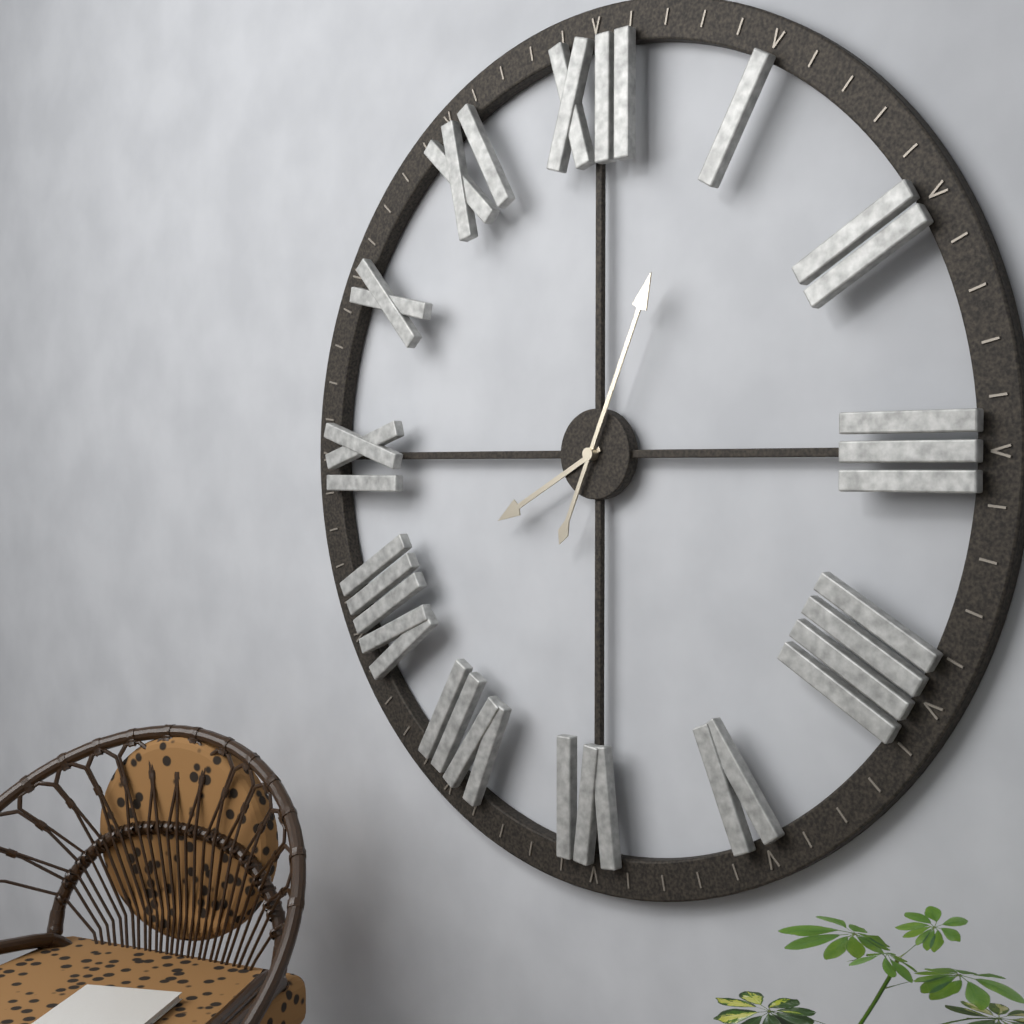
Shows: 8:04
